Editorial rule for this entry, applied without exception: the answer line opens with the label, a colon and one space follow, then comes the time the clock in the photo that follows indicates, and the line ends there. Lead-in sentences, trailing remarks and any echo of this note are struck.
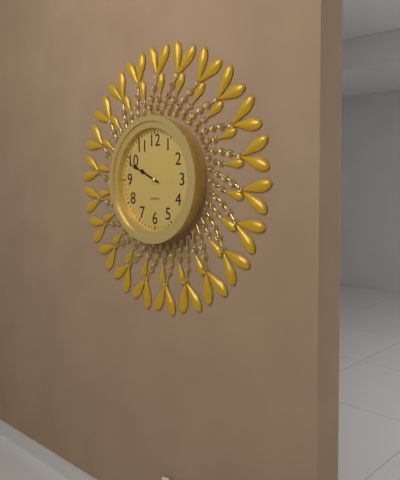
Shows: 9:49
